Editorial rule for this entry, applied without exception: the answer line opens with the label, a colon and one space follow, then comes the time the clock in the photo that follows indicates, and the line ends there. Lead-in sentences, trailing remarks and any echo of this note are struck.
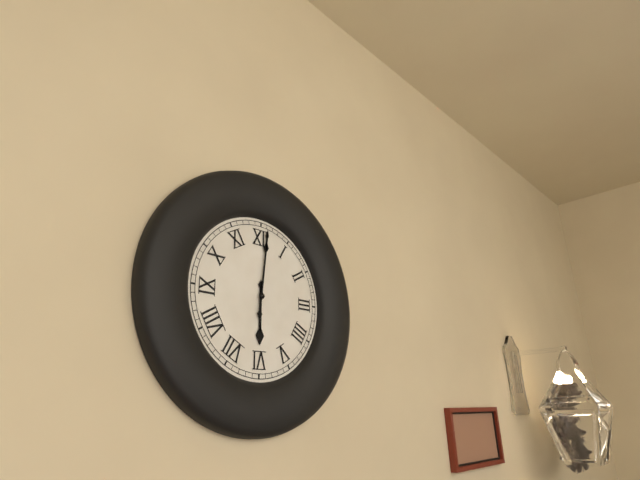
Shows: 6:01
